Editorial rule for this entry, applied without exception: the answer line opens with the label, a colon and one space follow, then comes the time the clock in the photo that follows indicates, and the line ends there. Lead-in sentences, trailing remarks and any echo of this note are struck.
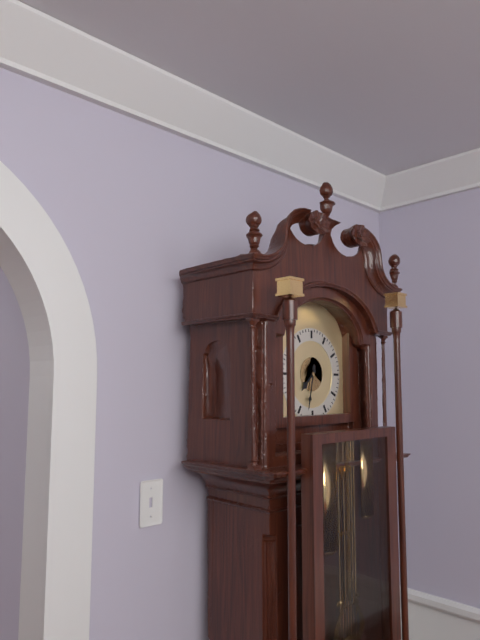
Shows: 7:32
